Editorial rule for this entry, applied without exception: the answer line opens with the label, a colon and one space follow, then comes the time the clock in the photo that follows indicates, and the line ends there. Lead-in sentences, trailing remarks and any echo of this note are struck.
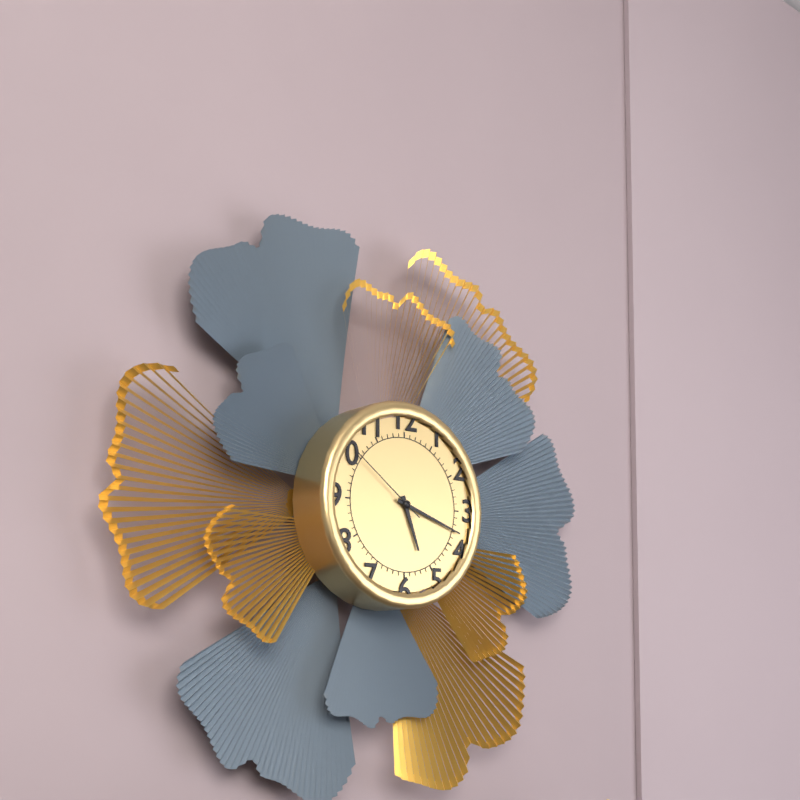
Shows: 5:18:51
